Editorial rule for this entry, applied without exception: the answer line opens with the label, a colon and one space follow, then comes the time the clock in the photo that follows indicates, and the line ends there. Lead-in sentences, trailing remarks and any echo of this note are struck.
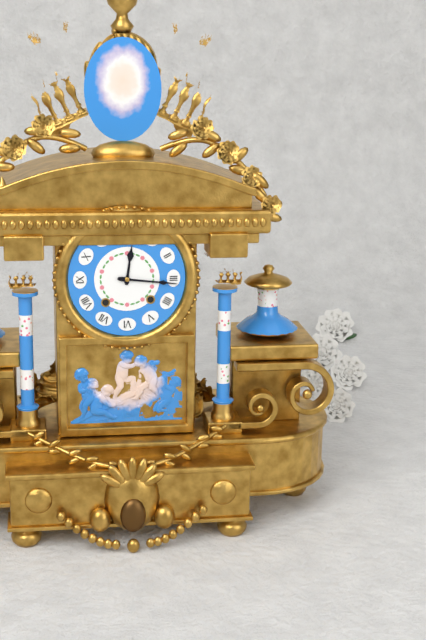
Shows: 12:16
